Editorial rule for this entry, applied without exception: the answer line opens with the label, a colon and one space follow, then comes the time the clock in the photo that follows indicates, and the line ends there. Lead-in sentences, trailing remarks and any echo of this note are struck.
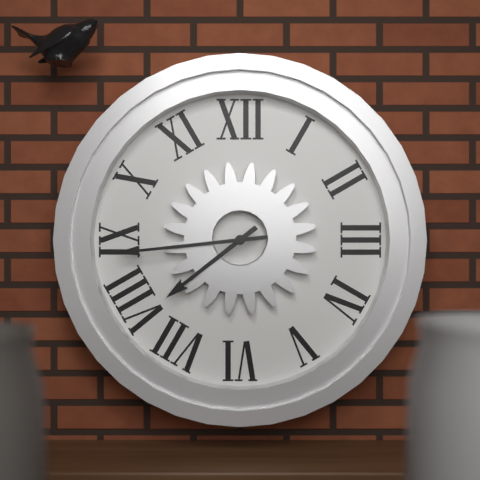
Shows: 7:44
